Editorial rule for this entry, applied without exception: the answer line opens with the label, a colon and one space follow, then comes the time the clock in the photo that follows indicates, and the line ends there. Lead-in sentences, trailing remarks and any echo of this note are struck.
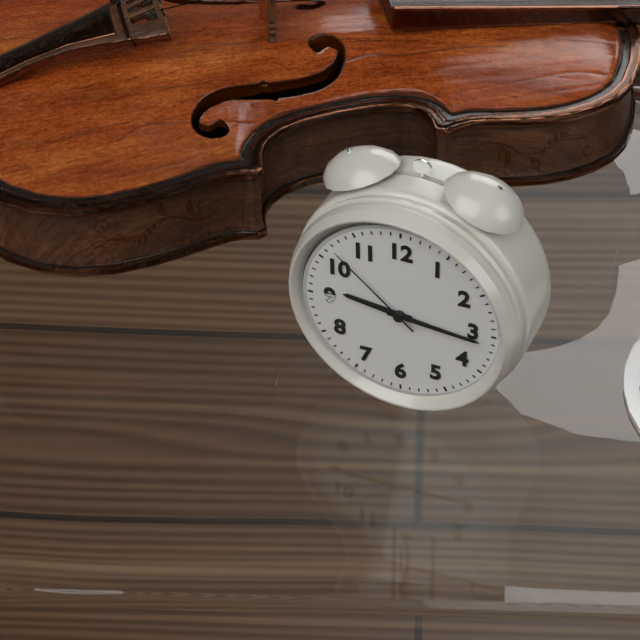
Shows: 9:16:52
